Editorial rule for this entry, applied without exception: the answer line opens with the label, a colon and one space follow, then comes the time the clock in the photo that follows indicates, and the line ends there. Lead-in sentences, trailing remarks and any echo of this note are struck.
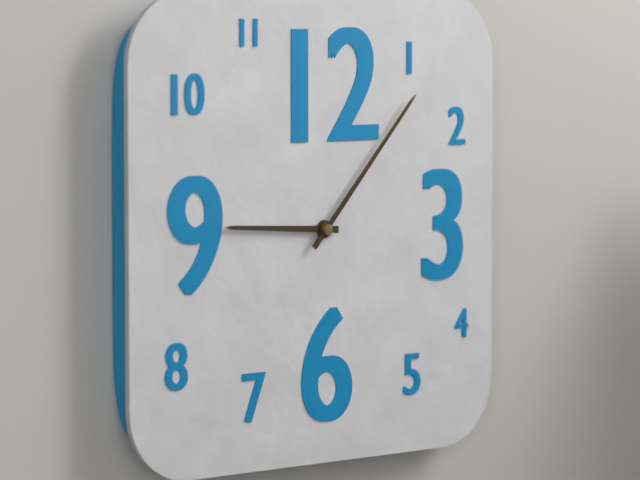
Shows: 9:07
